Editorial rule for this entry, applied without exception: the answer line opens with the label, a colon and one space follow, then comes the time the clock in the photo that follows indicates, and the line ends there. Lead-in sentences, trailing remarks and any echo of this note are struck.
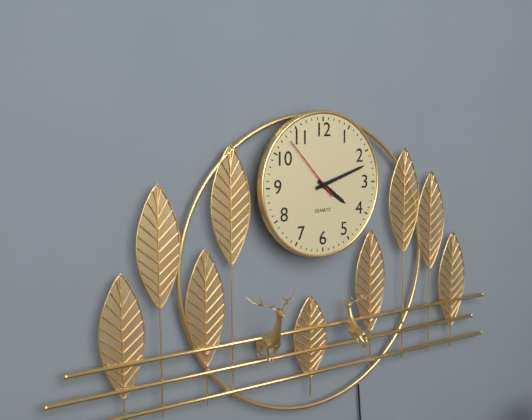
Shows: 4:12:53
